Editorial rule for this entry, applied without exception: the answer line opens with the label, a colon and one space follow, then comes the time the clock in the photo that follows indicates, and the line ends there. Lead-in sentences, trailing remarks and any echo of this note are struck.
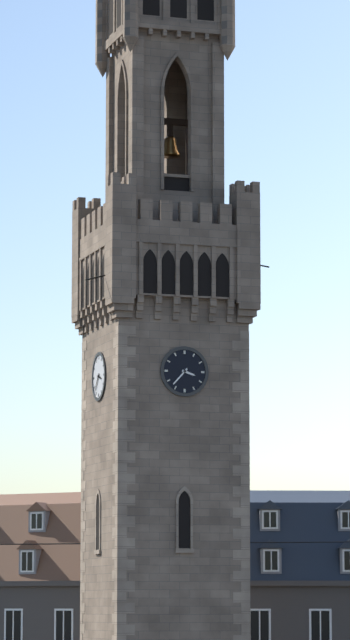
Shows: 3:37
